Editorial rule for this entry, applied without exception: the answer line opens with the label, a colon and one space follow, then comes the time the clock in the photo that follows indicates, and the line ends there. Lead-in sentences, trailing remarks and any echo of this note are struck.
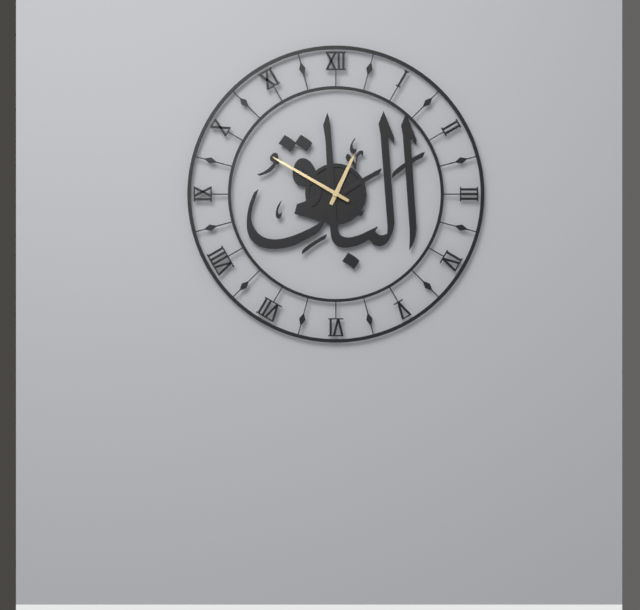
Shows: 12:50
